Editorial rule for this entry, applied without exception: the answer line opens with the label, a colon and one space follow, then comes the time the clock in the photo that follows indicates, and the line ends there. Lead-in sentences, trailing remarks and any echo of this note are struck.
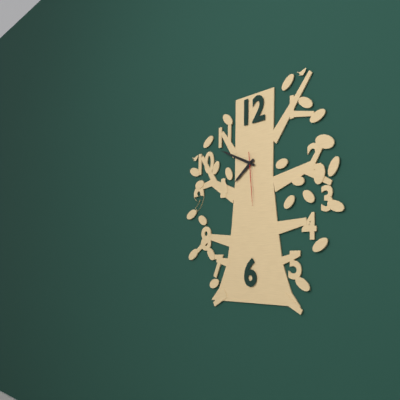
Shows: 7:49:29
